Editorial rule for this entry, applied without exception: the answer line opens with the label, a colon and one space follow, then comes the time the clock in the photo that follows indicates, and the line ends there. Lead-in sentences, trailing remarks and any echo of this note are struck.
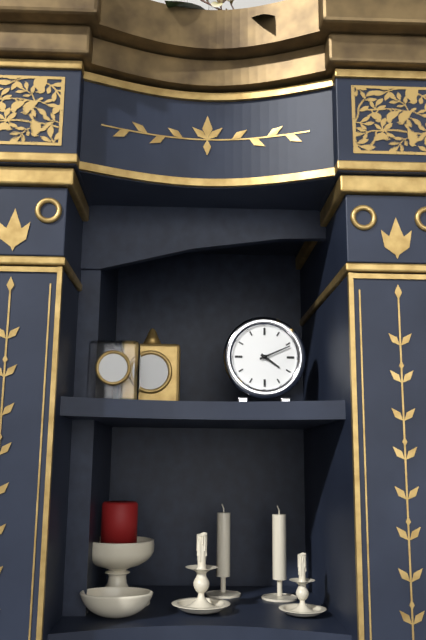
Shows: 4:11
